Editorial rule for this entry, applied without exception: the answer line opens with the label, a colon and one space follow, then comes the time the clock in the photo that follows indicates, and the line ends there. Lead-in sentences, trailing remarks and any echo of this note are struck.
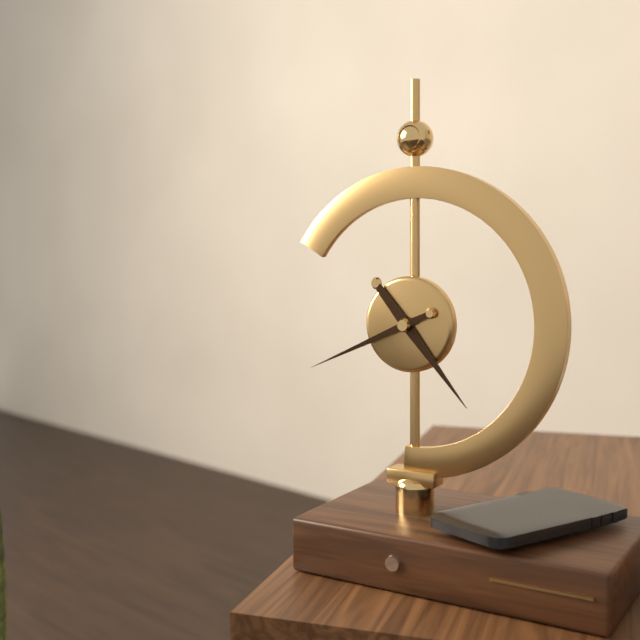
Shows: 4:41
